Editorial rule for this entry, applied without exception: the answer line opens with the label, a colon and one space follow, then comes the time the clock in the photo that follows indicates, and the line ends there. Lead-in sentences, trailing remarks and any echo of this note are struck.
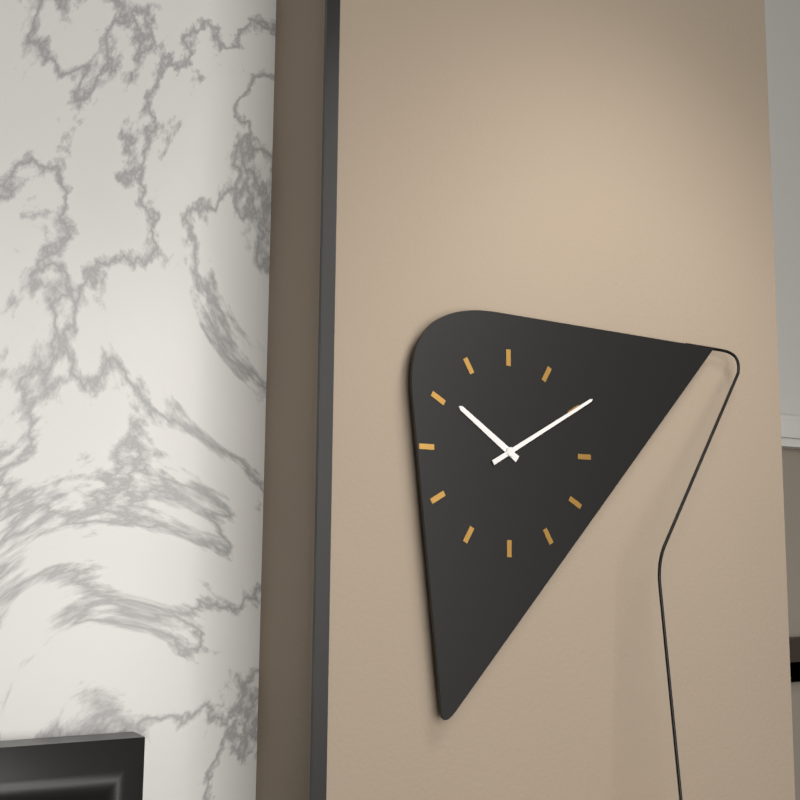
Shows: 10:10
